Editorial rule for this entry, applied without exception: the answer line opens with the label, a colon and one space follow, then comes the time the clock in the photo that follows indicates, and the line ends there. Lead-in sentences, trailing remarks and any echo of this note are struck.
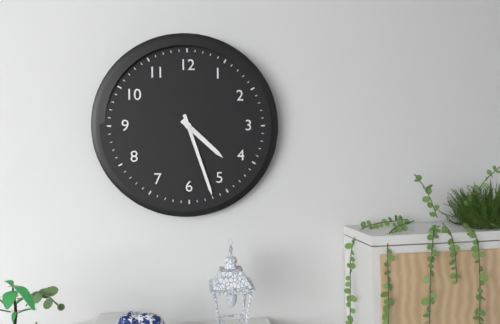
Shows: 4:27
